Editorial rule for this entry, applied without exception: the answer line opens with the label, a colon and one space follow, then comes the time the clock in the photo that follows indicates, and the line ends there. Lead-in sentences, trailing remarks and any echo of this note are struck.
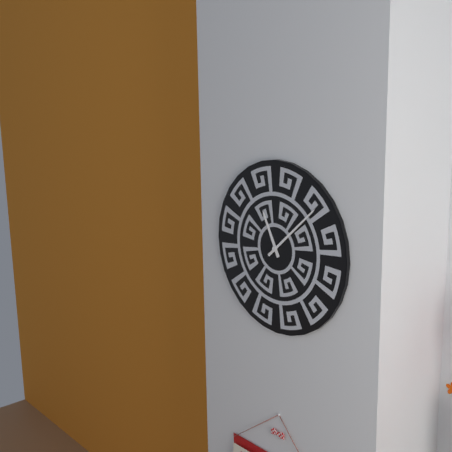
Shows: 11:08
